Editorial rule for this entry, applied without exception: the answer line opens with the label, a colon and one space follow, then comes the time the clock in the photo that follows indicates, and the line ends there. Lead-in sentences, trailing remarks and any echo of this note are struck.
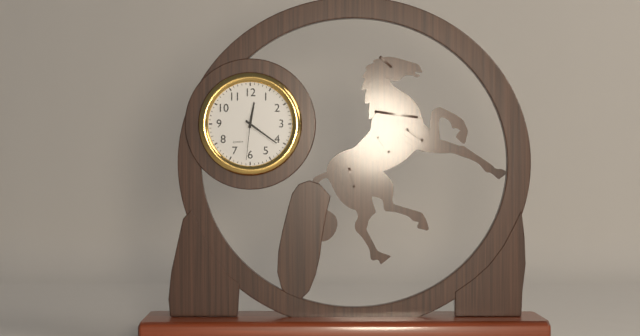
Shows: 12:21
